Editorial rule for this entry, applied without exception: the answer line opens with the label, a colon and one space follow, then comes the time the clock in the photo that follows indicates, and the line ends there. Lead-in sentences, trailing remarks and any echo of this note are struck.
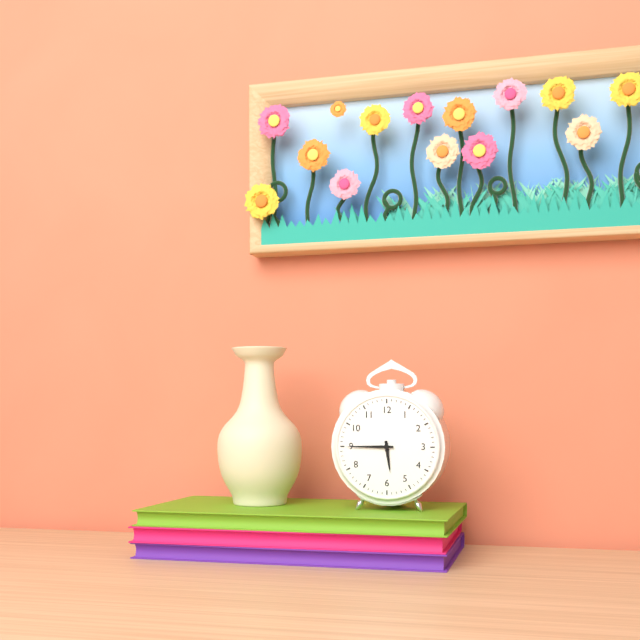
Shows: 5:45
